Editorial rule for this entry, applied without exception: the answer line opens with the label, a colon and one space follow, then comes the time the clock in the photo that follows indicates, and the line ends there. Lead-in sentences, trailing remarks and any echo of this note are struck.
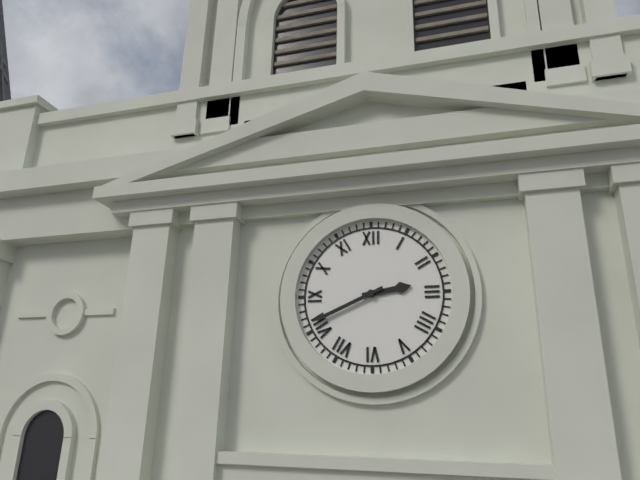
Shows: 2:41
